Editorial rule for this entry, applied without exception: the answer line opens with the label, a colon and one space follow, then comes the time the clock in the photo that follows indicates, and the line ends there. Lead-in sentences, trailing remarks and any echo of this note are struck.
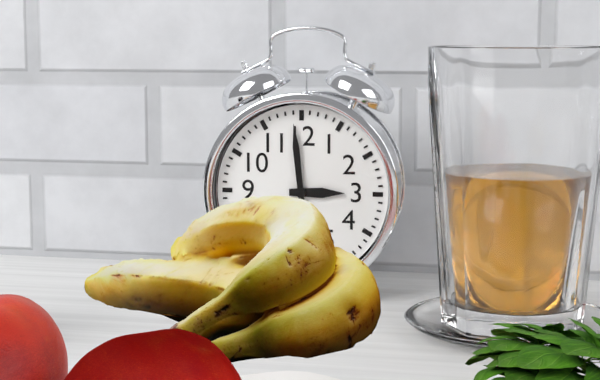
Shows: 2:59
